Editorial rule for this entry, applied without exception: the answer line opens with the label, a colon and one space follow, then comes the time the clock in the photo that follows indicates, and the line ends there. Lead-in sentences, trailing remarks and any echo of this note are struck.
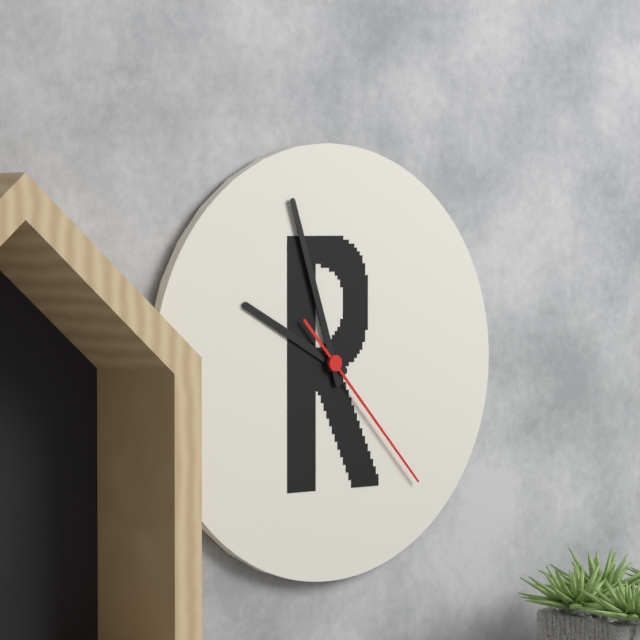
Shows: 9:57:23
